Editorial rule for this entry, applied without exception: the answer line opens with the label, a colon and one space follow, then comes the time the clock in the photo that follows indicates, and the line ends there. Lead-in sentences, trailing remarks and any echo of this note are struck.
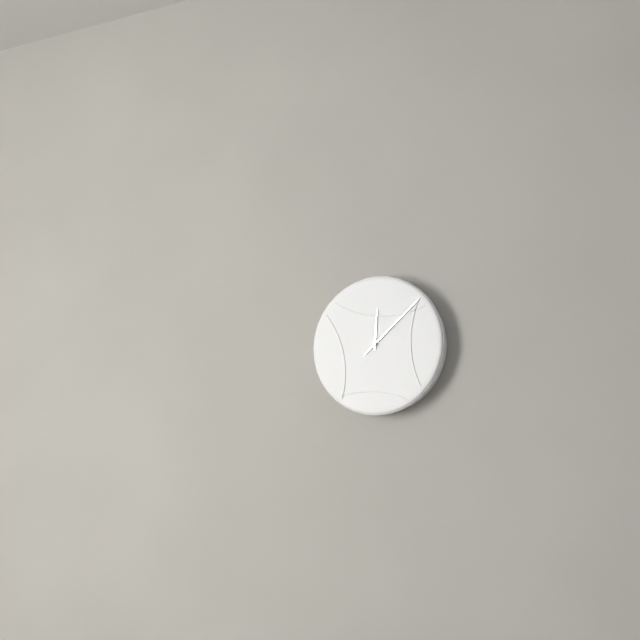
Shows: 12:08
